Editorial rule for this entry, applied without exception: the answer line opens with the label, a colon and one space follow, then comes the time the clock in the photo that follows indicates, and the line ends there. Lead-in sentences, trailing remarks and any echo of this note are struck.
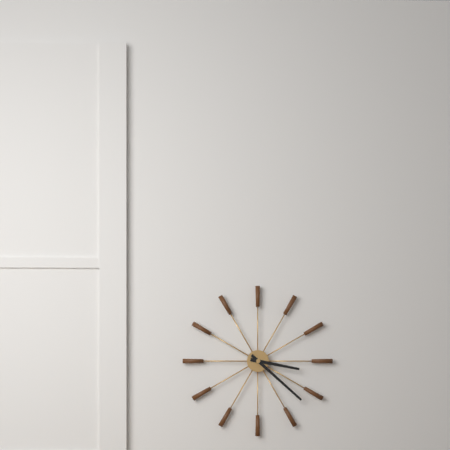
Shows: 3:22
